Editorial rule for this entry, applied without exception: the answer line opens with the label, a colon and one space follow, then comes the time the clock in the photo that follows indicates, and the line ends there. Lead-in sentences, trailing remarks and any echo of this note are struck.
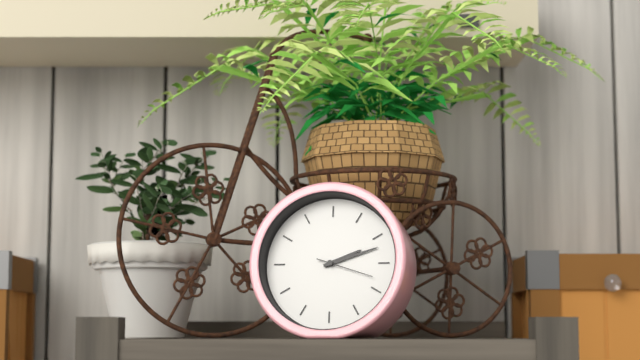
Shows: 2:12:18
